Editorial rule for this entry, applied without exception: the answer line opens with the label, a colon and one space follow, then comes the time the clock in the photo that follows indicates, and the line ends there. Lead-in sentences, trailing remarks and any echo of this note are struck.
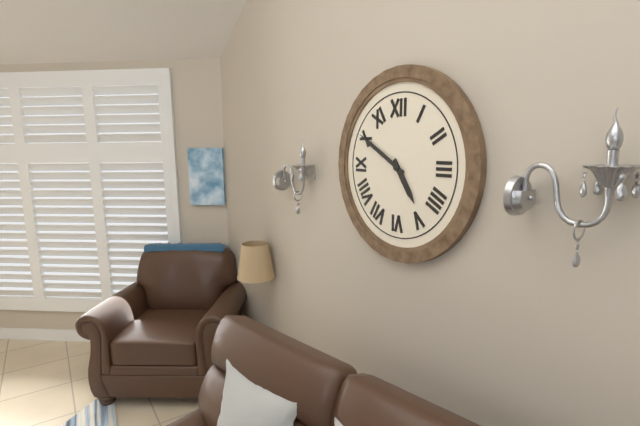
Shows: 4:50
